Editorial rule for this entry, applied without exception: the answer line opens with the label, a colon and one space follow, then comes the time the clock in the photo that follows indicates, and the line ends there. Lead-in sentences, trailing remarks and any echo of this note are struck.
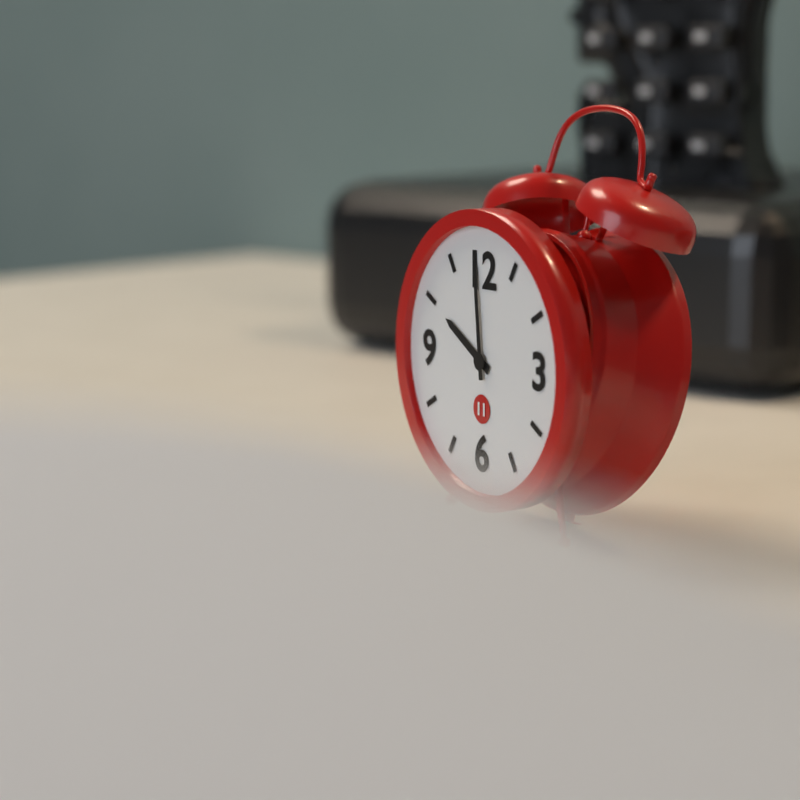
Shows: 9:59
